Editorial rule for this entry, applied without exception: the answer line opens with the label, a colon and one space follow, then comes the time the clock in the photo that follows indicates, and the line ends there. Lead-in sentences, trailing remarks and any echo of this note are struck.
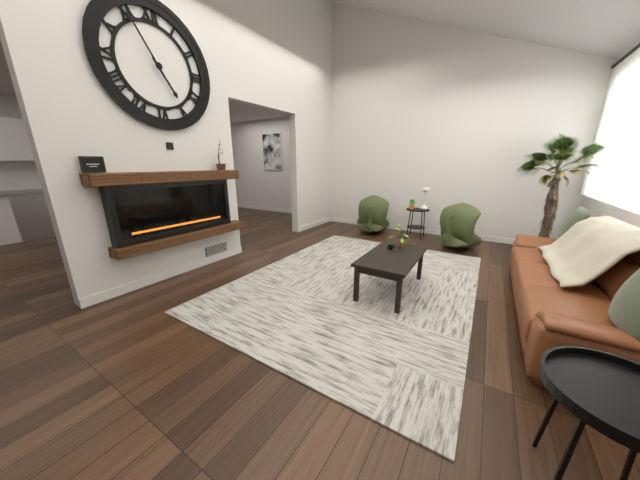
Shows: 4:55
